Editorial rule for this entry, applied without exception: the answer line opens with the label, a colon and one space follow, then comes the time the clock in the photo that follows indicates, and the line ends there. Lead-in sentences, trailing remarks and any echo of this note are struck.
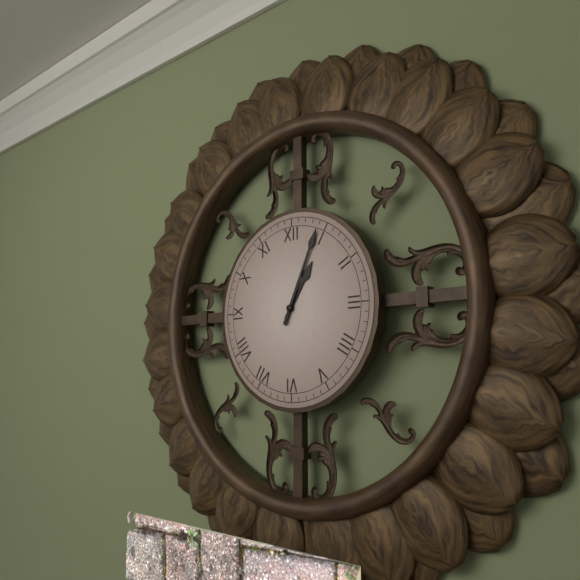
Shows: 1:04
